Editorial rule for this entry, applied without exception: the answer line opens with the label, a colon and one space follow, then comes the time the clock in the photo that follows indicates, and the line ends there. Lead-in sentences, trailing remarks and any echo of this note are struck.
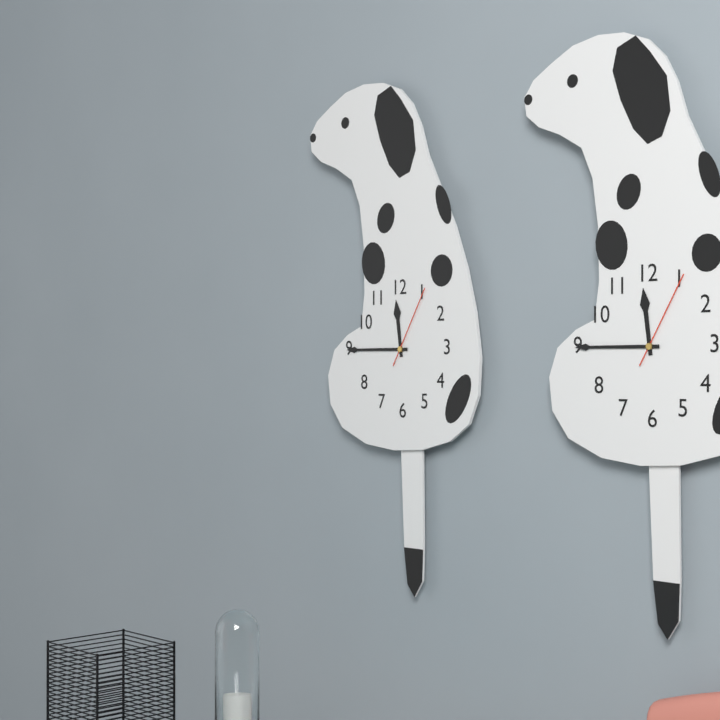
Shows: 11:45:05
